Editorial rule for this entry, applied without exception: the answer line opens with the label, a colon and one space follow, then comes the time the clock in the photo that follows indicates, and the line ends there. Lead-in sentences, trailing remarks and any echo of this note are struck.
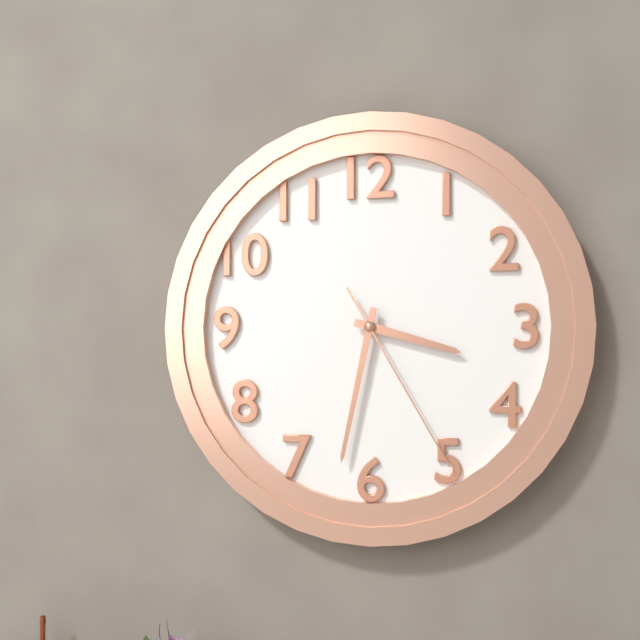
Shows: 3:32:25
